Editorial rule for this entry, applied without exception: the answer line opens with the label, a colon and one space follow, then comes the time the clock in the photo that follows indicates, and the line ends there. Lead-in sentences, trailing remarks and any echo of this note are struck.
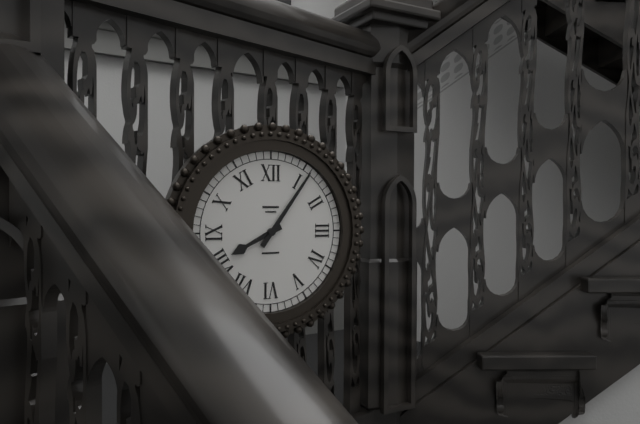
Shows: 8:06
